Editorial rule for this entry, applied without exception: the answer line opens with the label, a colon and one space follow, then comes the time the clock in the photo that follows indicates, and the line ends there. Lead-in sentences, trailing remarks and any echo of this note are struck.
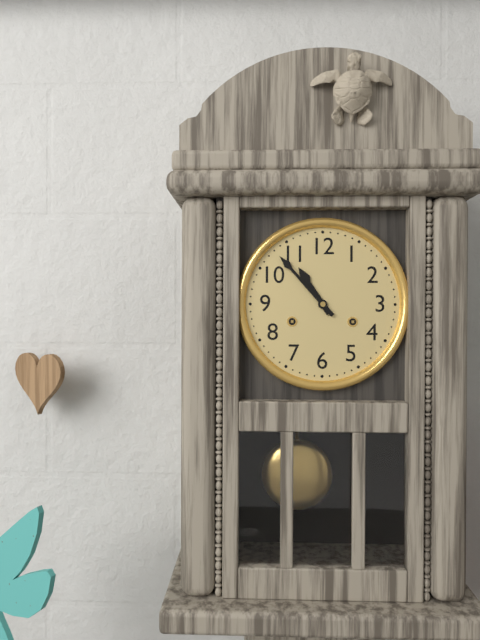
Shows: 10:53
